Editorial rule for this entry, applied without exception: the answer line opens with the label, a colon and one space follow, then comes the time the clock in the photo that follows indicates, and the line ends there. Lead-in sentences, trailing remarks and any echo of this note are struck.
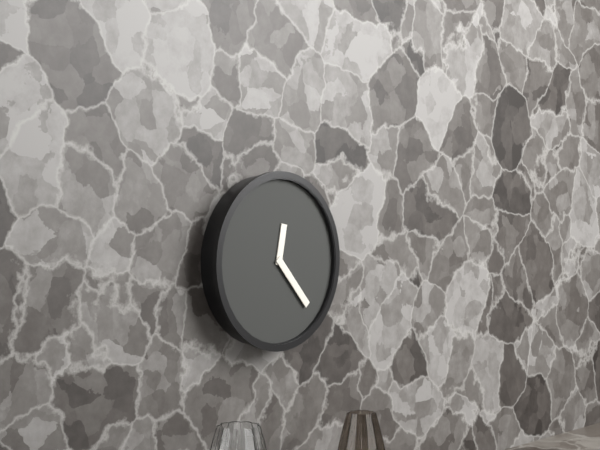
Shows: 12:23
